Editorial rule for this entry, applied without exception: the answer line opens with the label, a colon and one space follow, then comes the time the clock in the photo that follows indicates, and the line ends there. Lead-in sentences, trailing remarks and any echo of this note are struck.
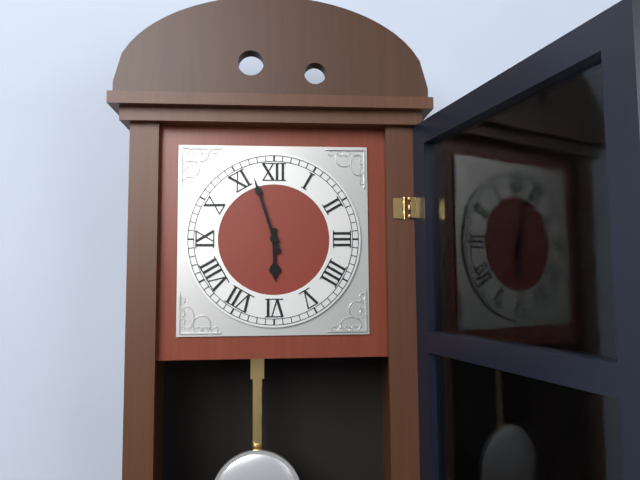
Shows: 5:57
